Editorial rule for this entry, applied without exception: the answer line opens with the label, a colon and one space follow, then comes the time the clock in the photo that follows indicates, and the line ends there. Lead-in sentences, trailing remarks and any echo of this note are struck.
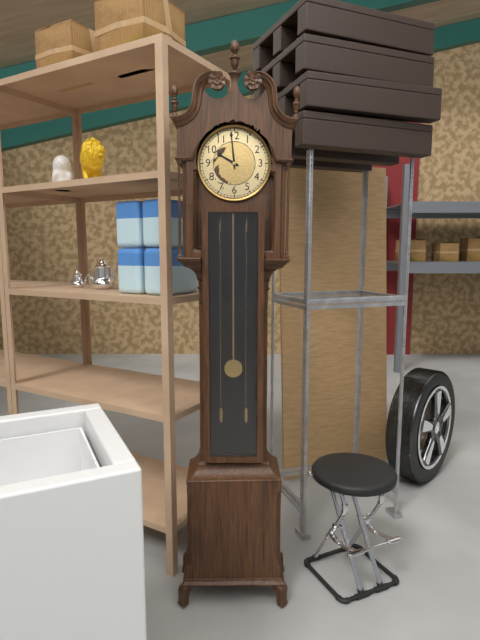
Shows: 9:59
